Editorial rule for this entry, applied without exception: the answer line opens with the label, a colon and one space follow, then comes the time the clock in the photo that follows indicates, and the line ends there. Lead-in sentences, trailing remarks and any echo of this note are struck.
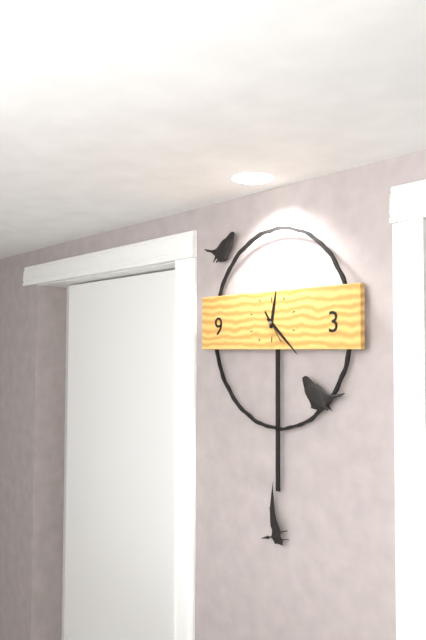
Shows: 12:22
